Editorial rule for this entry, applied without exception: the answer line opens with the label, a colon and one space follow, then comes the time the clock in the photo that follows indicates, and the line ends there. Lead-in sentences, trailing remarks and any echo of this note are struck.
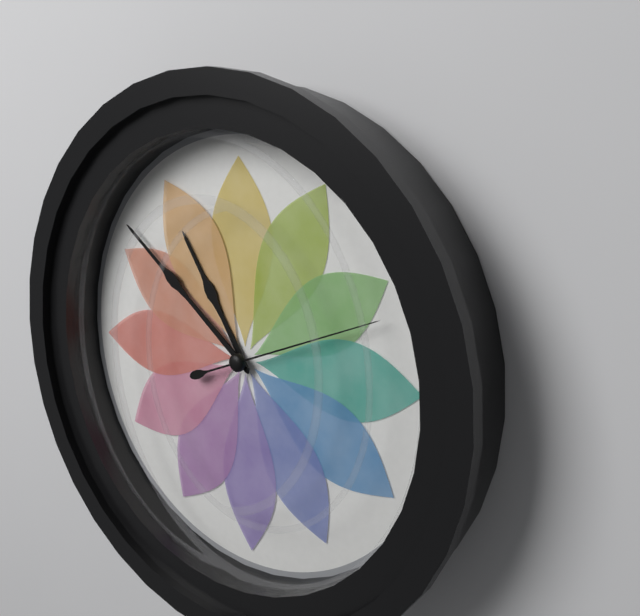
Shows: 10:51:11
